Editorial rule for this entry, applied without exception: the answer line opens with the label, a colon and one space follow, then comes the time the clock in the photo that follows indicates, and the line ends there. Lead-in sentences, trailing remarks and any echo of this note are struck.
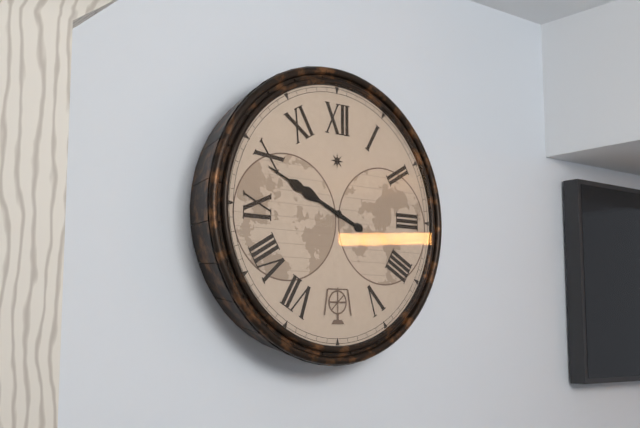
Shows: 9:49
